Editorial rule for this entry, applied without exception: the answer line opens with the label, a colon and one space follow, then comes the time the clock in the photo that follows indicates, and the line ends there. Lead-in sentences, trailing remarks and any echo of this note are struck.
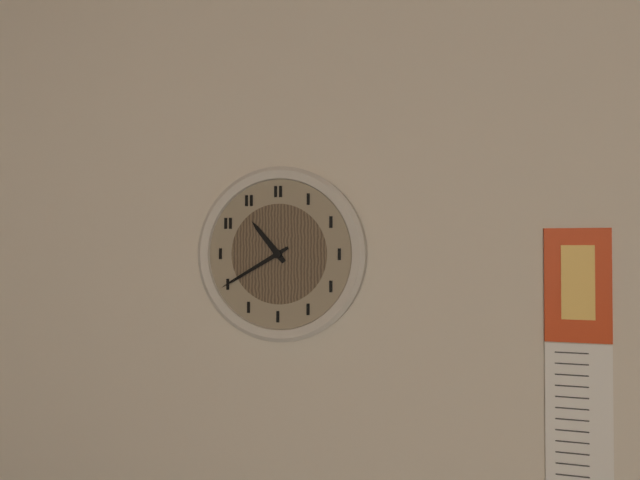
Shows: 10:40
